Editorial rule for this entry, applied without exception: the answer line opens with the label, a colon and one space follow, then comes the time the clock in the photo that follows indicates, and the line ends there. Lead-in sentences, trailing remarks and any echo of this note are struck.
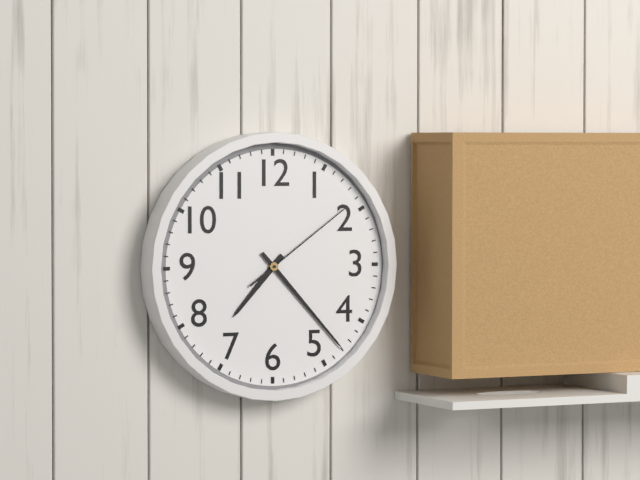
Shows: 7:23:09
